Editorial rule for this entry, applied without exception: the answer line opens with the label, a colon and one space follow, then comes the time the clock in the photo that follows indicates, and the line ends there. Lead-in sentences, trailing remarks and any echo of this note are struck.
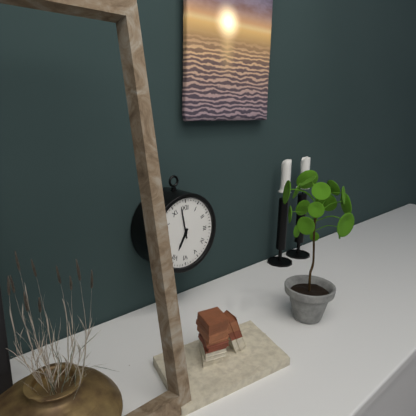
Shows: 6:58
